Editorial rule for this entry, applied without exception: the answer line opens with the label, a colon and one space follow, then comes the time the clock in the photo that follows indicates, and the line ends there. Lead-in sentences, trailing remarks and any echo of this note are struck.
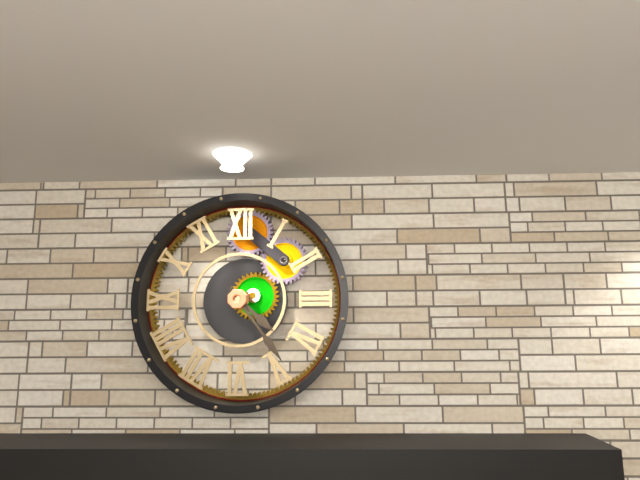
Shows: 4:24
